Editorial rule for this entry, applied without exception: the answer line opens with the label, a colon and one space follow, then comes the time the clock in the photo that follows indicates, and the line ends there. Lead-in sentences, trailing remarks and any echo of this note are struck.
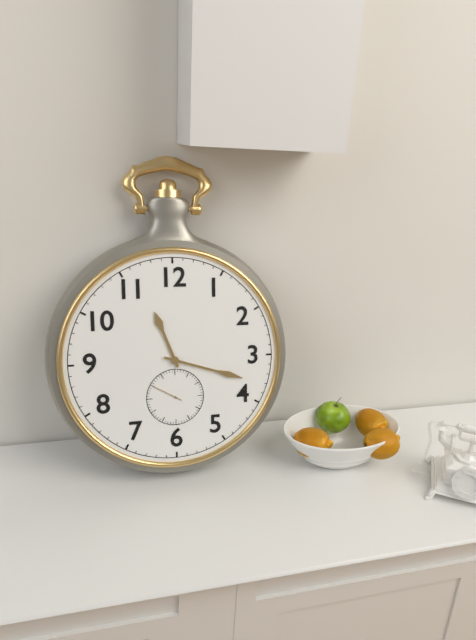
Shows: 11:18
